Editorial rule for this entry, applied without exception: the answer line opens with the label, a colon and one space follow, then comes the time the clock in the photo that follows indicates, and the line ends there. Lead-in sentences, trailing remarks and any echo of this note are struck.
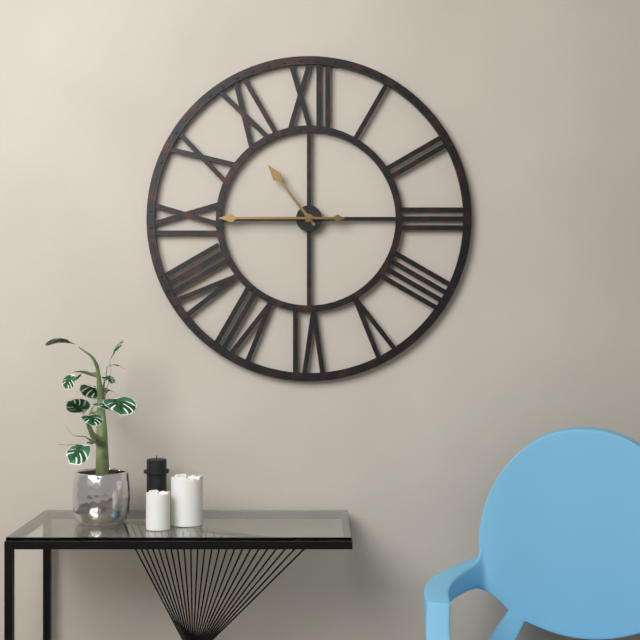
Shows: 10:45
